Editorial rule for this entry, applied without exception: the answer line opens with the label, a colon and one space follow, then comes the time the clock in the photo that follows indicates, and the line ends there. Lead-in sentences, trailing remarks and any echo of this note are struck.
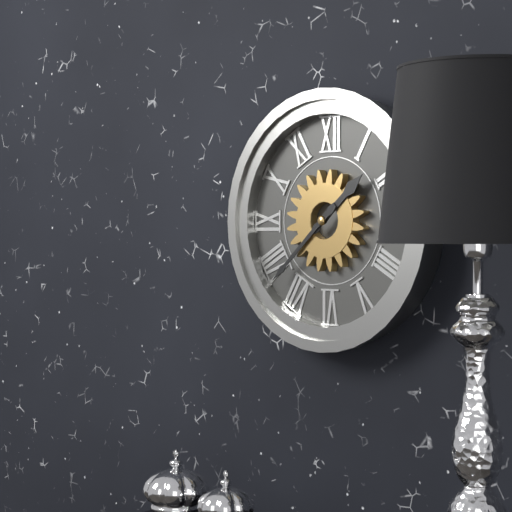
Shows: 1:38
